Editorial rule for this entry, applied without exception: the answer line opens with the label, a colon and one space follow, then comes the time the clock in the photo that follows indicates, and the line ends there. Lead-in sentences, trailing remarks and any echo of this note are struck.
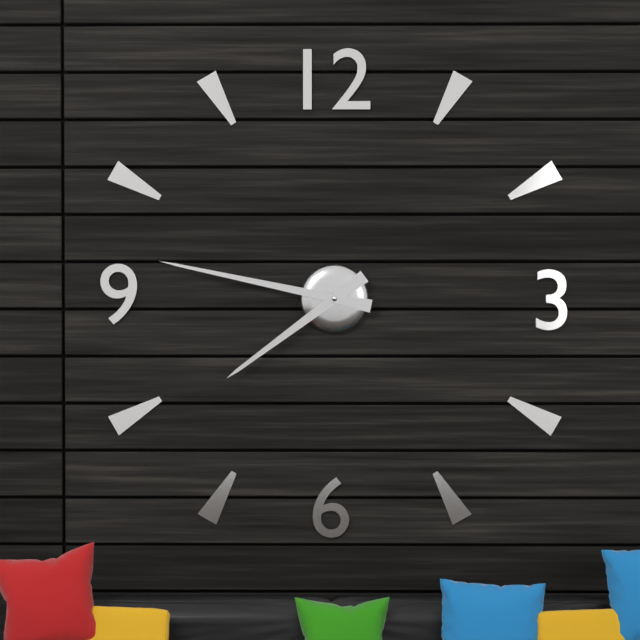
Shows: 7:47
